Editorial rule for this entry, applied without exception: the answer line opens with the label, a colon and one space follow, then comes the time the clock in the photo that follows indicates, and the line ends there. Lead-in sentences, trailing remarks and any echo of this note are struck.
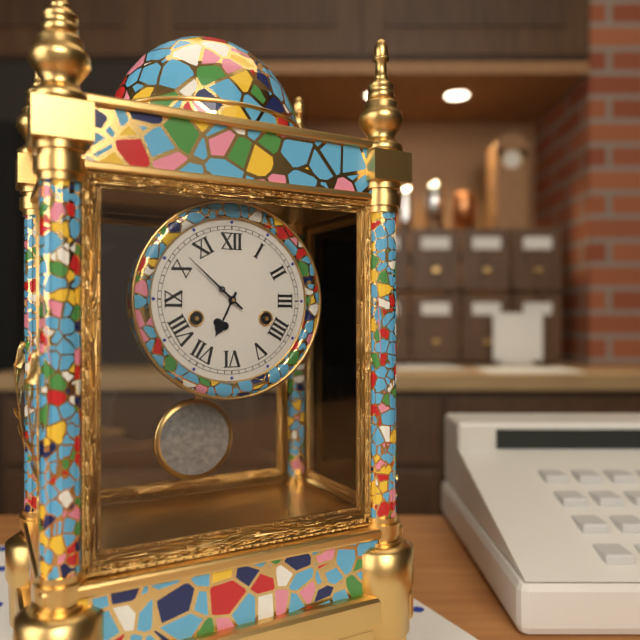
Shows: 6:52
